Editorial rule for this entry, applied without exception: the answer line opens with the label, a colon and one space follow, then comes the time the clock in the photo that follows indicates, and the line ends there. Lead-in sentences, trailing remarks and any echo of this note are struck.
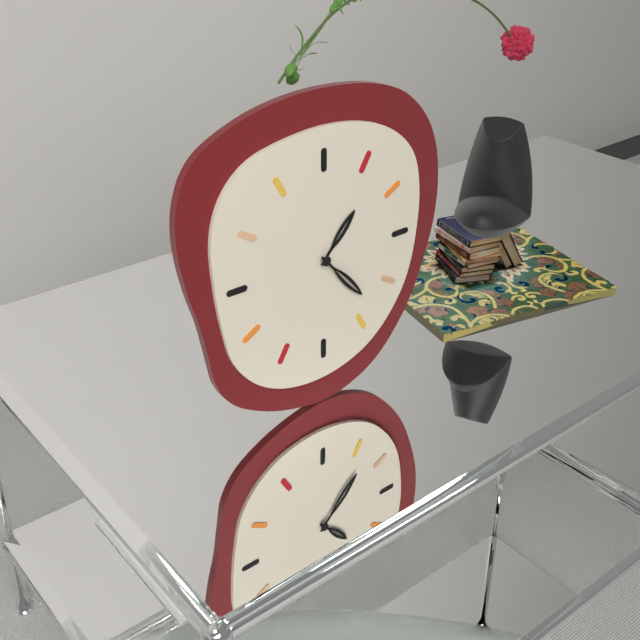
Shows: 1:23
